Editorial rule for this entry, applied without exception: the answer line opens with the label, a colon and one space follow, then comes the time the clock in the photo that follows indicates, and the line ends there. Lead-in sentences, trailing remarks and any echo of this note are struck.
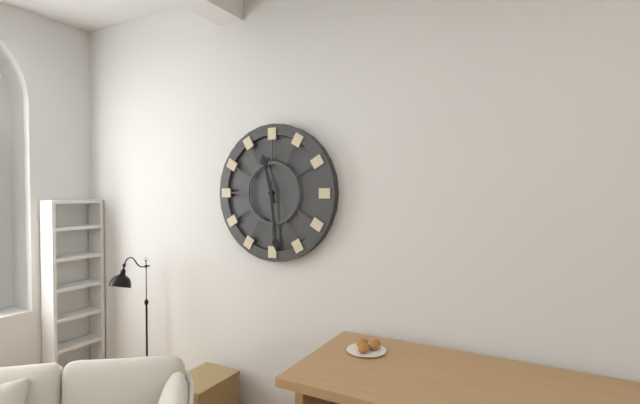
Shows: 11:29
